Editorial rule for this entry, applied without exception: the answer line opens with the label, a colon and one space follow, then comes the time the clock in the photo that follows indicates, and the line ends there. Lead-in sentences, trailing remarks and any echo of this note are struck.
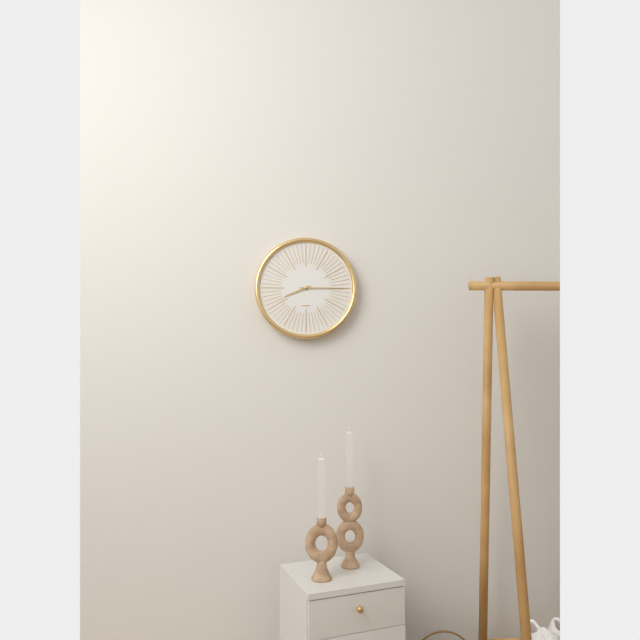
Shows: 8:15
